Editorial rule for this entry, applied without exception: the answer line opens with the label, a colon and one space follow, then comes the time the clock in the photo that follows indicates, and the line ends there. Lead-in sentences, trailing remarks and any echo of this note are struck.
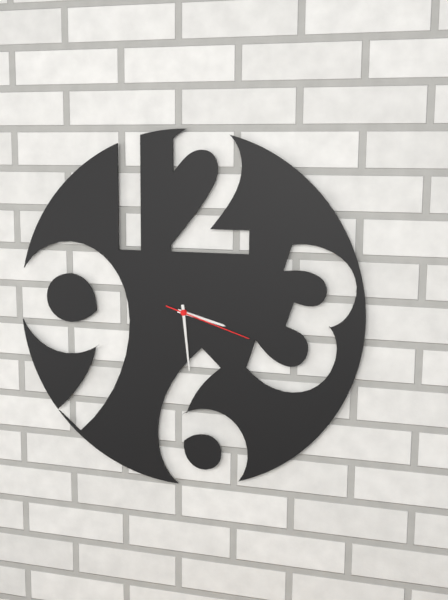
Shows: 3:29:18
